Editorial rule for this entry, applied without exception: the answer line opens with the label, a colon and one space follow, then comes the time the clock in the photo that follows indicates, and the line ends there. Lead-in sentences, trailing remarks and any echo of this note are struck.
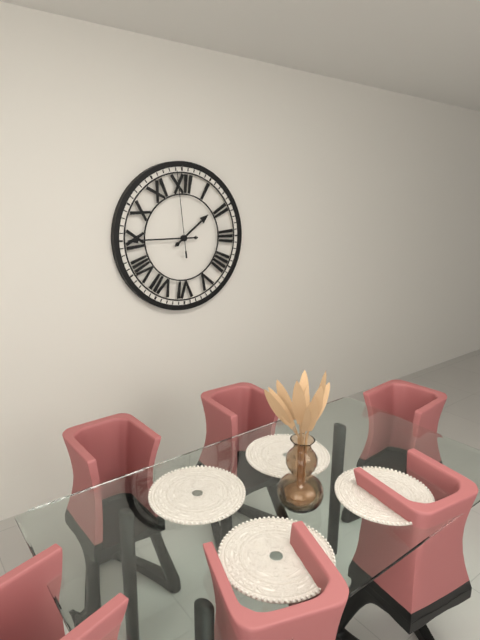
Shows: 1:45:59
